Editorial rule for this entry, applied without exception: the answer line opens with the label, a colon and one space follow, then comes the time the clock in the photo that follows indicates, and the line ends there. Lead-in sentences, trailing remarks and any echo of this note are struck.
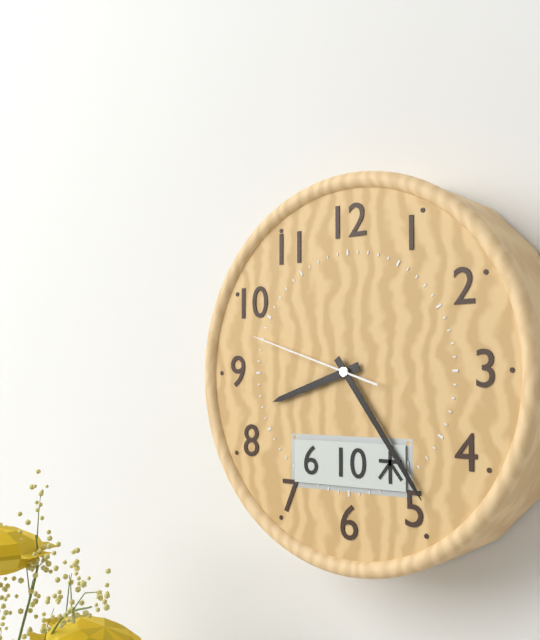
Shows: 8:24:48
